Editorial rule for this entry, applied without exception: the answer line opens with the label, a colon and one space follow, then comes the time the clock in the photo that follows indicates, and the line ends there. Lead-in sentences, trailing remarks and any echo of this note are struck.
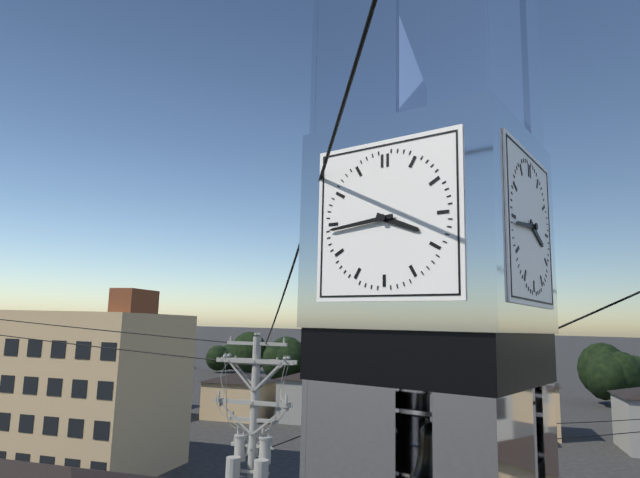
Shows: 3:44
